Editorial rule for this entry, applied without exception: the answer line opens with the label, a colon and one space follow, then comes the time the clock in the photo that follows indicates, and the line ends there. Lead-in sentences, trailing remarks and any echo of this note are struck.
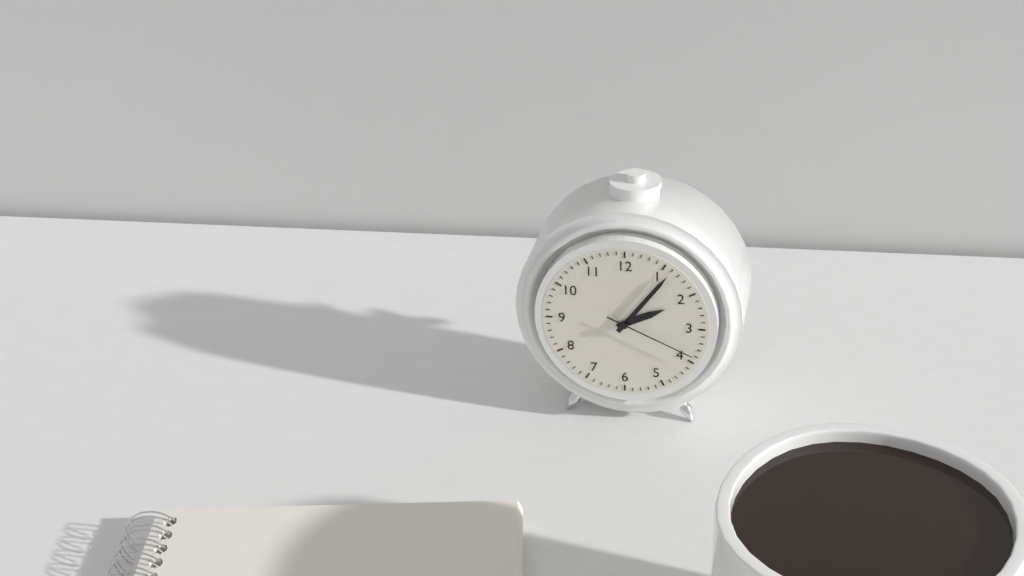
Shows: 2:06:19
